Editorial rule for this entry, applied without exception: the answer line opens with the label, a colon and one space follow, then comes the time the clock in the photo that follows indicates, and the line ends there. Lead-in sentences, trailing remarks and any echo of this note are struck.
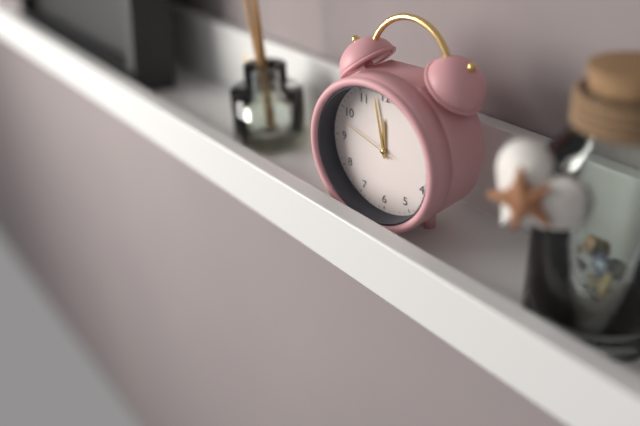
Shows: 11:58:48
